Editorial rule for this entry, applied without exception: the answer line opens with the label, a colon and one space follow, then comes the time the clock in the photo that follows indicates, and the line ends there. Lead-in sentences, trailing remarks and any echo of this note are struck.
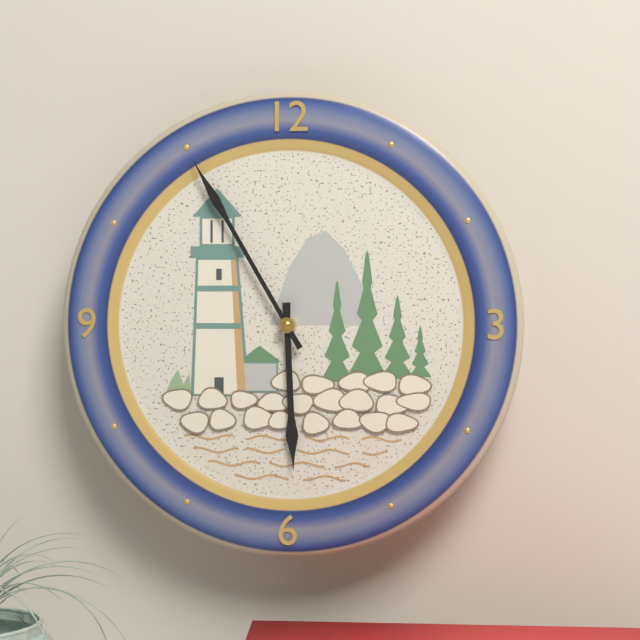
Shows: 5:55
